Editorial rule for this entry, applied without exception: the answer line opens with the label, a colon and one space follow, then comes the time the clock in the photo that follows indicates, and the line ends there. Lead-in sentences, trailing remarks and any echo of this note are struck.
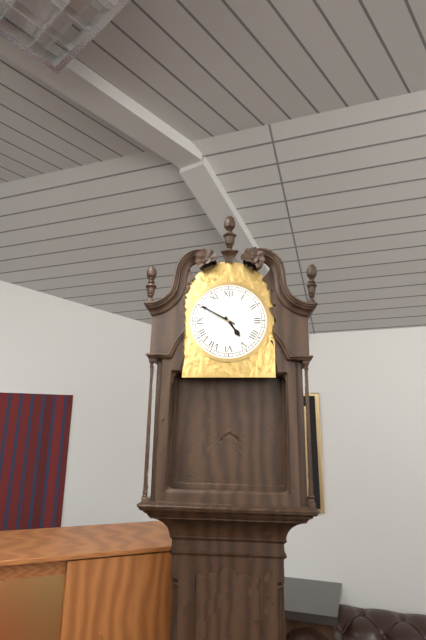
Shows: 4:50
